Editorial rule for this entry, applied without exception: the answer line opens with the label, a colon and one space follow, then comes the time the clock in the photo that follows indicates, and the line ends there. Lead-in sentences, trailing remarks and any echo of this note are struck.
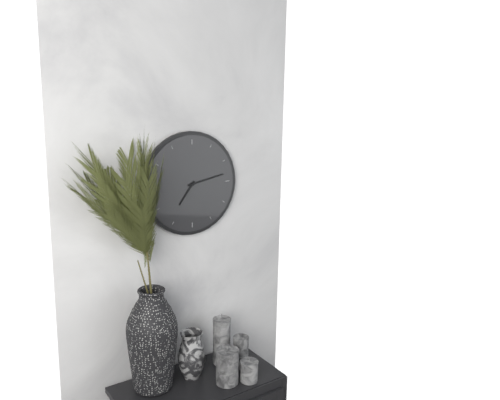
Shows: 7:13
